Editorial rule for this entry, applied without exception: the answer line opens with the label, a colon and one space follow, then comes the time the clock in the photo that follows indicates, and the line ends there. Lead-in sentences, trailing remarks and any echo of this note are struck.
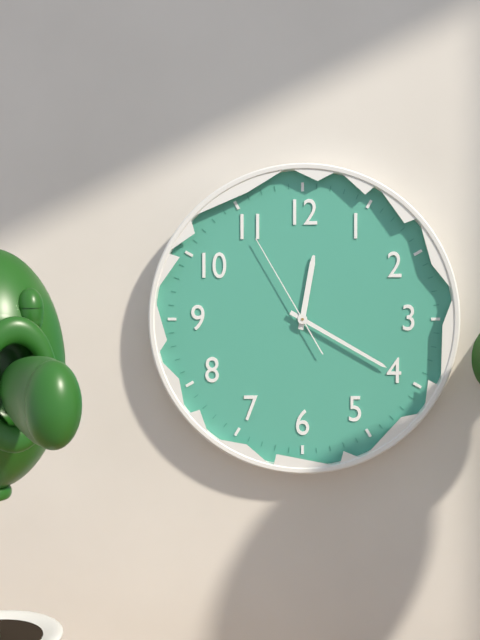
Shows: 12:20:55
